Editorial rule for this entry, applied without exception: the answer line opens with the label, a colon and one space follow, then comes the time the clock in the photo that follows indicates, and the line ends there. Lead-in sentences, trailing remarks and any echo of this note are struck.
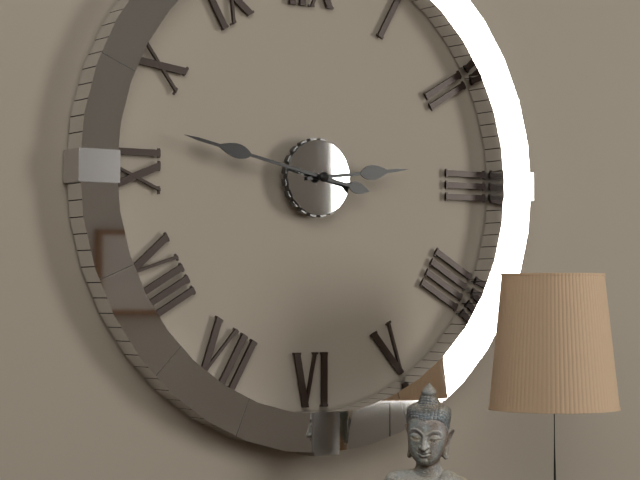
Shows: 2:47
